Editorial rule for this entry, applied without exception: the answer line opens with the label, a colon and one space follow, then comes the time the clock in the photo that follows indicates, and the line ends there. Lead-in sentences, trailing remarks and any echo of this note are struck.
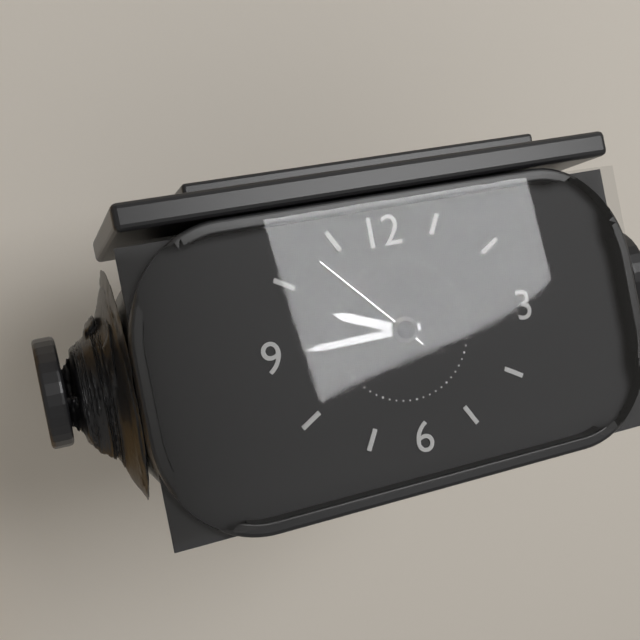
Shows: 9:45:53
